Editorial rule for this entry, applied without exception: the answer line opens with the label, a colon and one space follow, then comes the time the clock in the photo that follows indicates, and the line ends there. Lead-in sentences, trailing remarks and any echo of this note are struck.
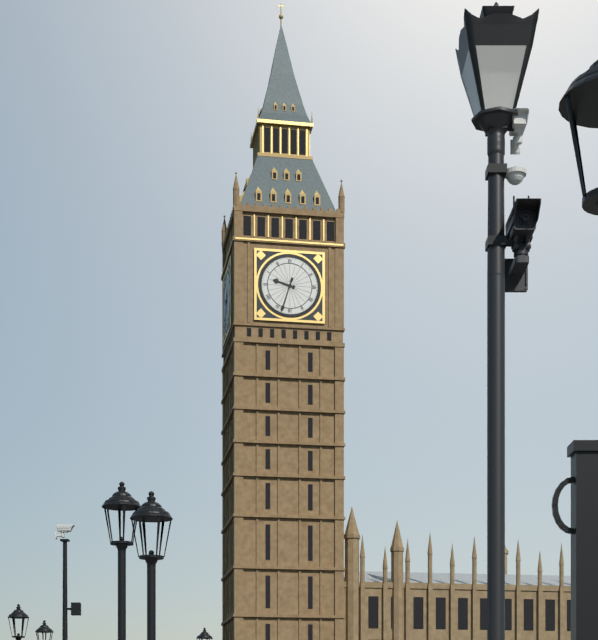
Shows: 9:33
